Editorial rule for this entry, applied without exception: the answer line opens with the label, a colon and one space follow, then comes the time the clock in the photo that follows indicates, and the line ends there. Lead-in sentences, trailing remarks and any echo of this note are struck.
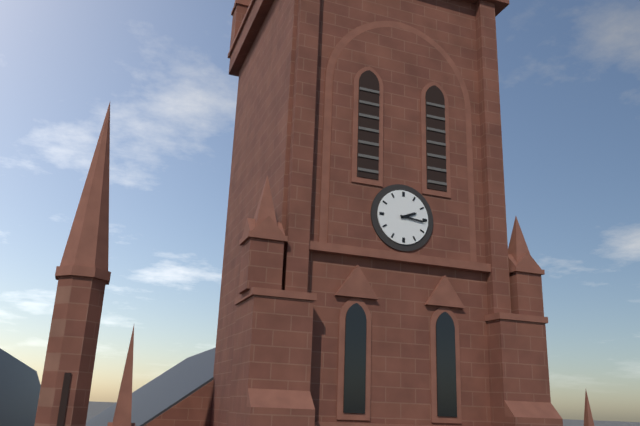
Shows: 2:16
